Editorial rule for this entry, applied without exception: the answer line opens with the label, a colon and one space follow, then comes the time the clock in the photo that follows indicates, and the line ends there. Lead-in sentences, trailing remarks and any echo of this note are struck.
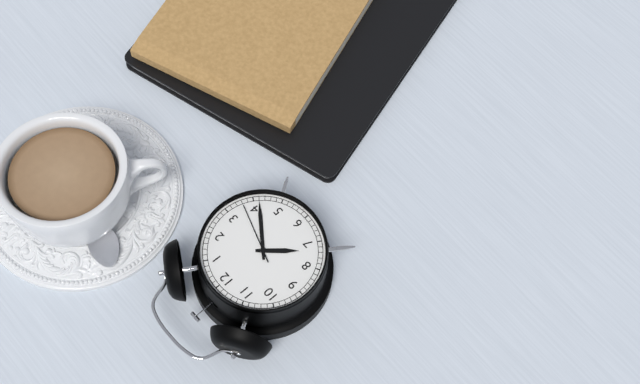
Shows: 7:21:18
